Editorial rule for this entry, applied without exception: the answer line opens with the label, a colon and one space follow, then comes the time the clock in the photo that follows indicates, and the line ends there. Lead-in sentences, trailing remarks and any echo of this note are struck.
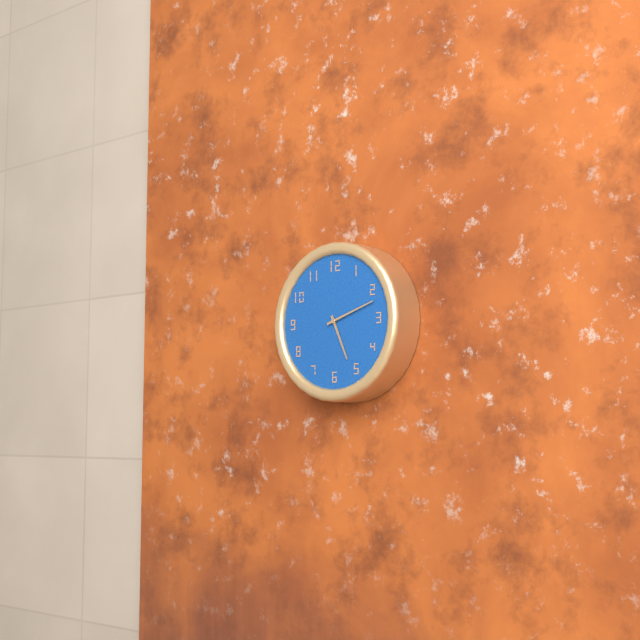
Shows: 5:12
